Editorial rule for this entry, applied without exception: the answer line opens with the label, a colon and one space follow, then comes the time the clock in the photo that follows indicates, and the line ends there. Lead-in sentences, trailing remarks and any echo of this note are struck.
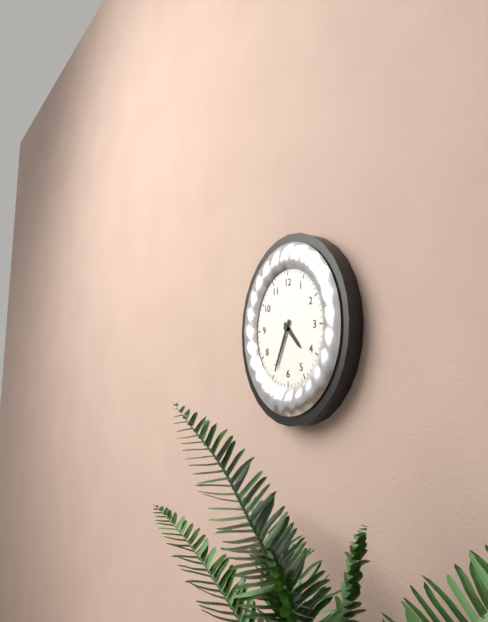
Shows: 4:34
